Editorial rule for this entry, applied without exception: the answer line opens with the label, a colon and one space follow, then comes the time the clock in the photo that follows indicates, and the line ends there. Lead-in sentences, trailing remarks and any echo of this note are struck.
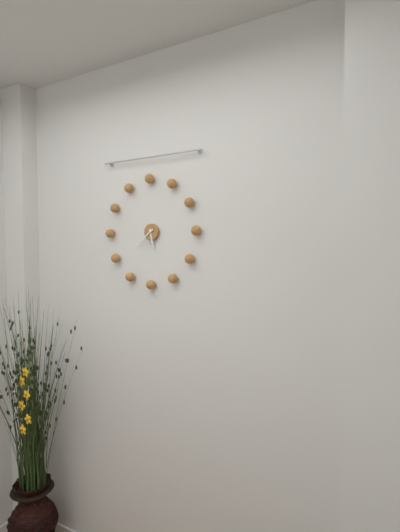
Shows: 5:39
